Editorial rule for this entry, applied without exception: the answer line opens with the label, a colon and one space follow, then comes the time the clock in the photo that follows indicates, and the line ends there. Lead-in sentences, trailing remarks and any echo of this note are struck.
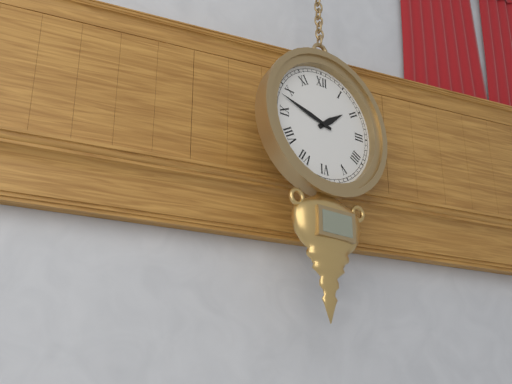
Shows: 1:48
